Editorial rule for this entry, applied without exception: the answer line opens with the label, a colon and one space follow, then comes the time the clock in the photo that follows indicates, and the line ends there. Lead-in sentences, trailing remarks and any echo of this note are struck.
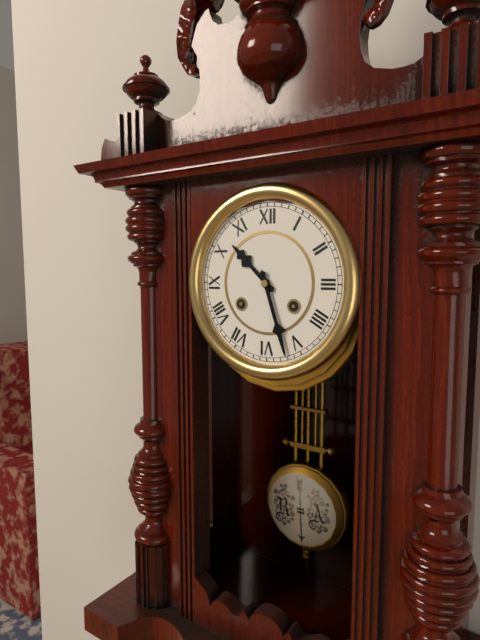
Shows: 10:27
